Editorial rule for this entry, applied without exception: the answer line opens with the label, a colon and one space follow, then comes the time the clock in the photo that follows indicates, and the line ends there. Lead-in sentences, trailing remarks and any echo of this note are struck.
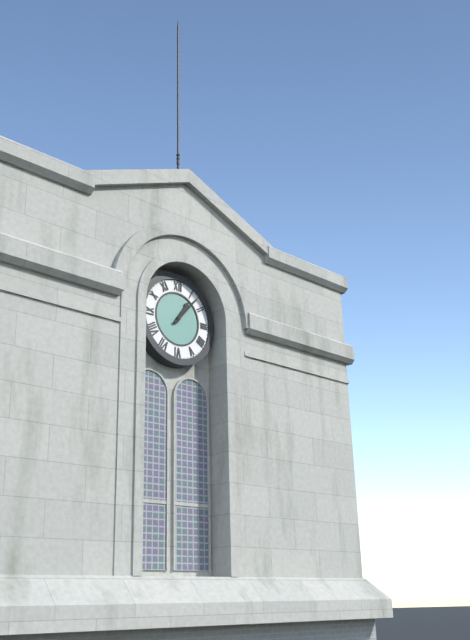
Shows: 1:07
